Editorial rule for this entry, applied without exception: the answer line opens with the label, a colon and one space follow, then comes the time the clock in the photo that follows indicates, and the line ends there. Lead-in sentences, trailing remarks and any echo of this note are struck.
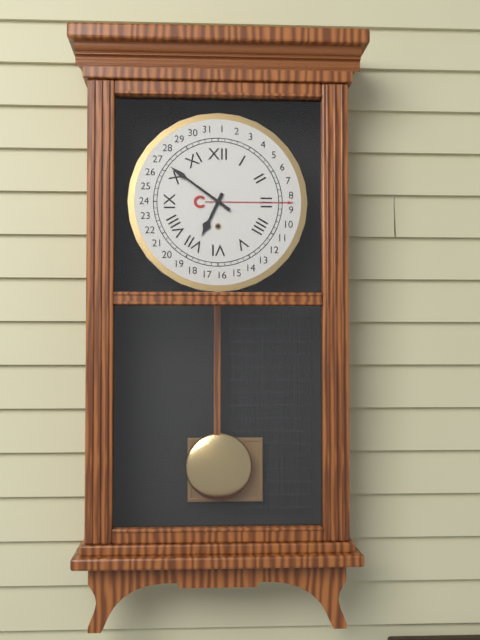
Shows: 6:51
